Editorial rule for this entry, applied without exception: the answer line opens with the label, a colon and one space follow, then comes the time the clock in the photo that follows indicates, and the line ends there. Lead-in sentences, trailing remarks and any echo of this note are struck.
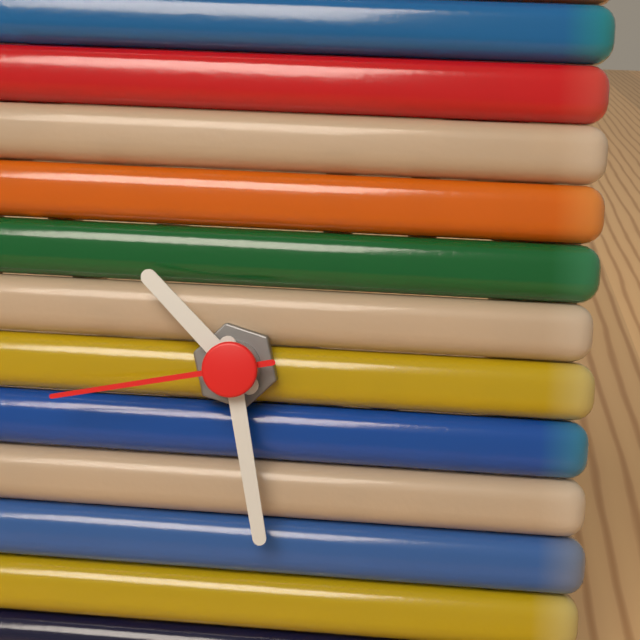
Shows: 10:28:43
